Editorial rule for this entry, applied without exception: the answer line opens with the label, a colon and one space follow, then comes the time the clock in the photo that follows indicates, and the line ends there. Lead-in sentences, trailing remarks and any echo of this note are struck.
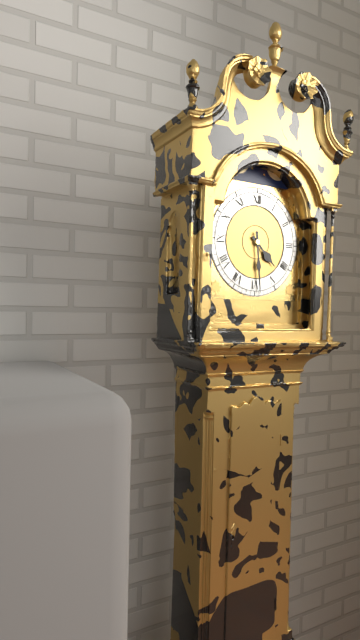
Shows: 4:29
